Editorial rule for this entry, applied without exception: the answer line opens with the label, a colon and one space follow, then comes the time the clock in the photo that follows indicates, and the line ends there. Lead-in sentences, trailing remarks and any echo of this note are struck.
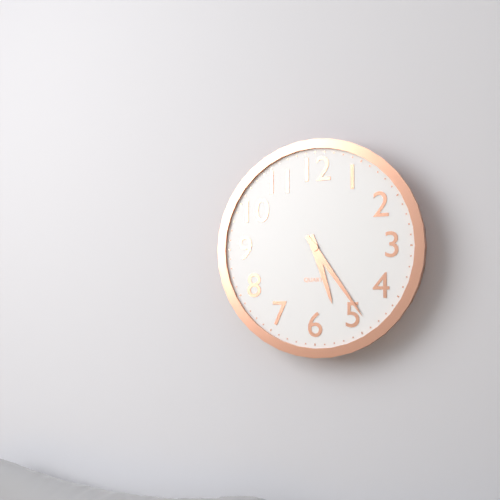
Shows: 5:24
